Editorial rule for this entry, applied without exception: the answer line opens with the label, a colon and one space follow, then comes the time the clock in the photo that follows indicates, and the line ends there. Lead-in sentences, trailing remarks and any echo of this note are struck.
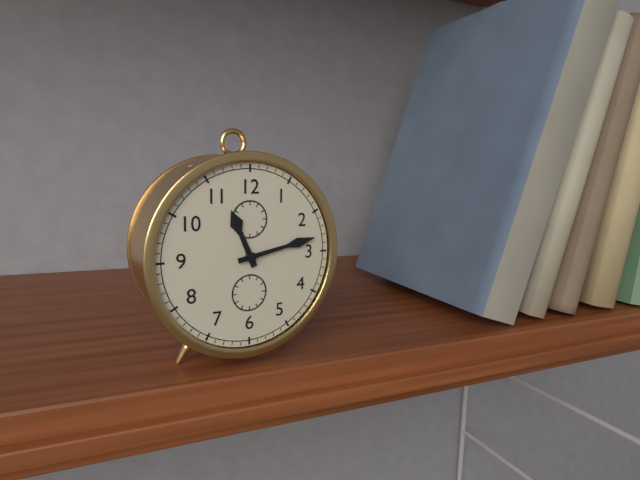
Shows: 11:13
